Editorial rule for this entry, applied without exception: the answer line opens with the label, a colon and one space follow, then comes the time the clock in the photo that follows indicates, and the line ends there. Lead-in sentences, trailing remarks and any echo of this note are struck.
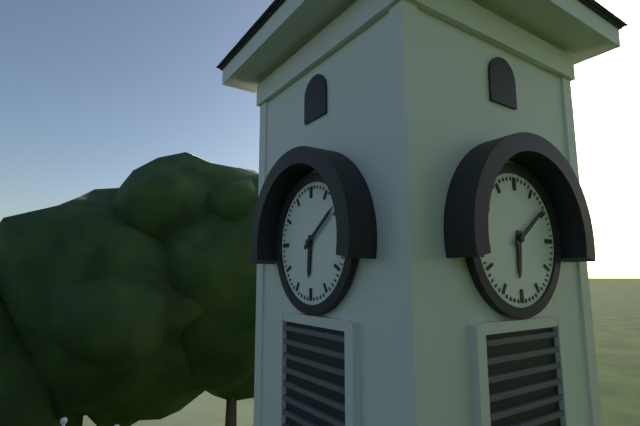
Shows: 6:09
